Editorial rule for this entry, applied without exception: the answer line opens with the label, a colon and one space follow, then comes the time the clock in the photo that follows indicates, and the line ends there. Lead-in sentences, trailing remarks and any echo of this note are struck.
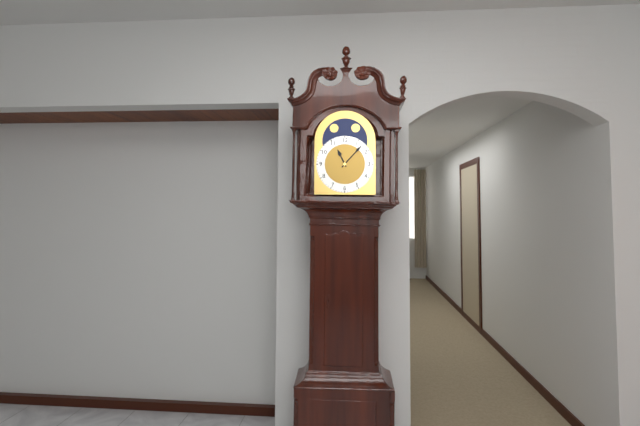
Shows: 11:07
